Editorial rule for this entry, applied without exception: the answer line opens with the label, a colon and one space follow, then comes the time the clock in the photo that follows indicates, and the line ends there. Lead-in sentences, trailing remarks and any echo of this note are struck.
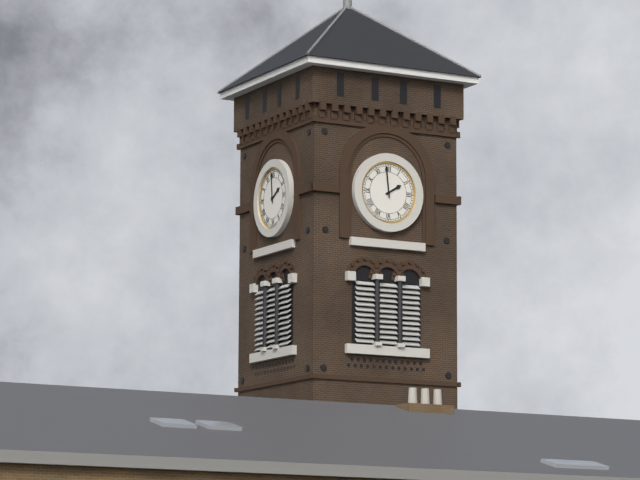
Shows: 1:59
